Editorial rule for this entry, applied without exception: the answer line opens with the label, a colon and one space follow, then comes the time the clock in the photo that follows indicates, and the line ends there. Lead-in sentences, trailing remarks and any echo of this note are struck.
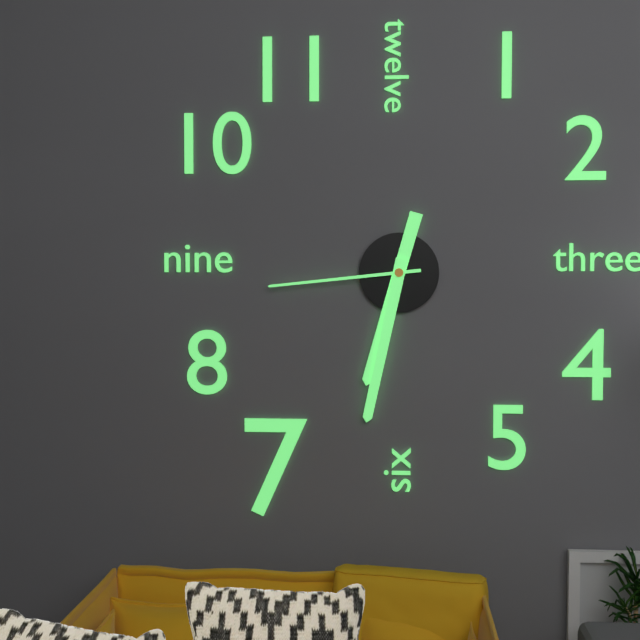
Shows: 6:32:44
